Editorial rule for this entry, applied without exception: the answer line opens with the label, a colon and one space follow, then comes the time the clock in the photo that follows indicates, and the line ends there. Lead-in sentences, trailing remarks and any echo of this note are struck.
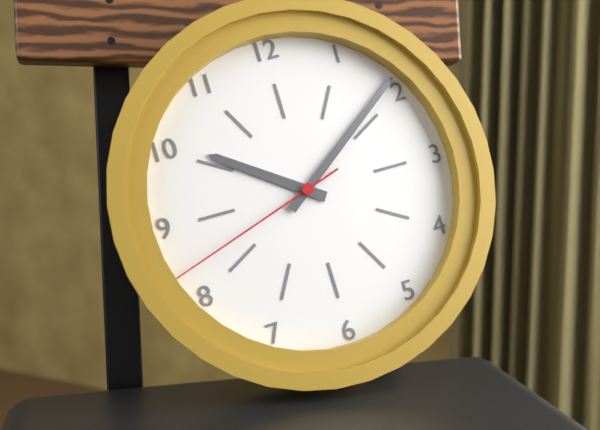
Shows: 10:09:42
